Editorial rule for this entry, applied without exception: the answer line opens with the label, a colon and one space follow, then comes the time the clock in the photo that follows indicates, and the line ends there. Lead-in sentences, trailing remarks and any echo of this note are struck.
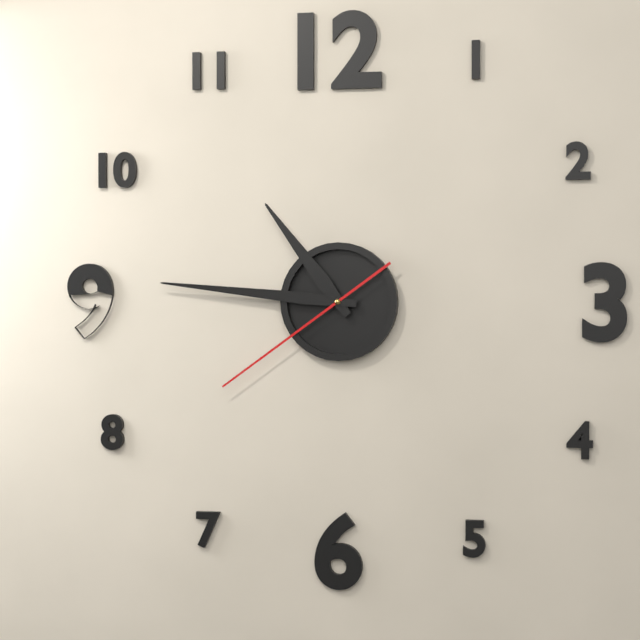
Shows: 10:46:39
